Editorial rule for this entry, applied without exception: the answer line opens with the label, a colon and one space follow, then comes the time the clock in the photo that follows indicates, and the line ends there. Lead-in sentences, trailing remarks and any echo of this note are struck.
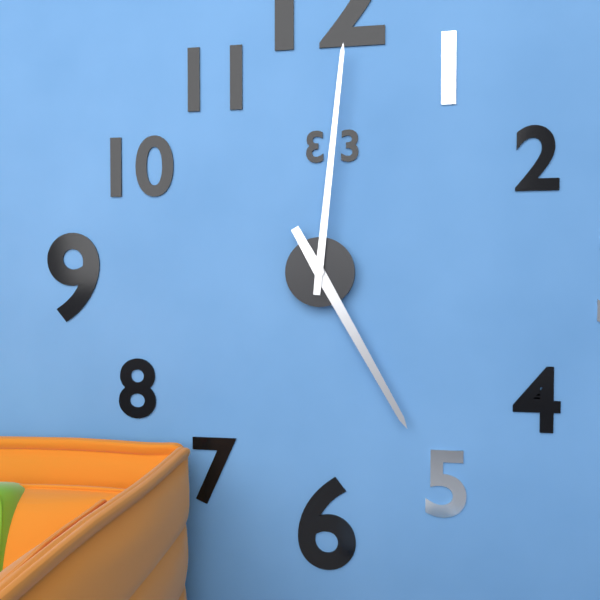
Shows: 5:01
